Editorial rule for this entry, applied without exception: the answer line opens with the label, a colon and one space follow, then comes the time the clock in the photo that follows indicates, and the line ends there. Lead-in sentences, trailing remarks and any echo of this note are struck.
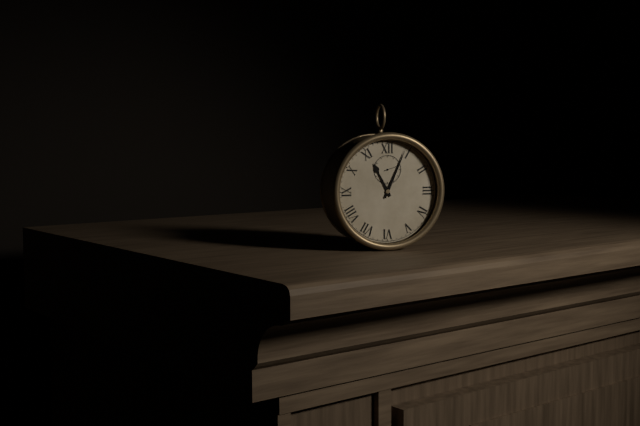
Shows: 11:04
